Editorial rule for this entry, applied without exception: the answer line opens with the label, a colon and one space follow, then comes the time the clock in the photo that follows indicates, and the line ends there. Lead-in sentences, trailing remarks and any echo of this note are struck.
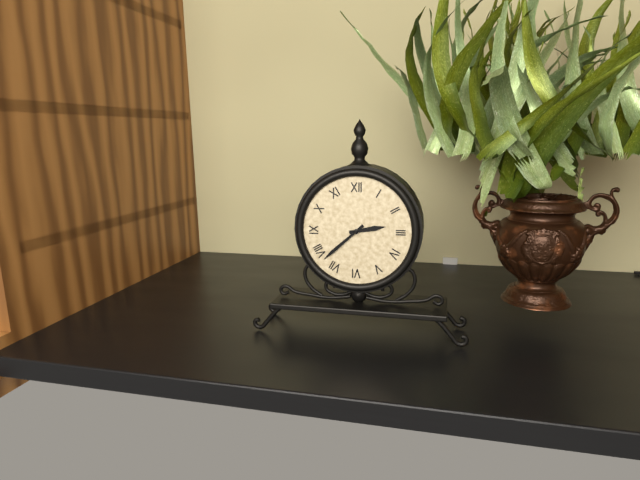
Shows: 2:38
